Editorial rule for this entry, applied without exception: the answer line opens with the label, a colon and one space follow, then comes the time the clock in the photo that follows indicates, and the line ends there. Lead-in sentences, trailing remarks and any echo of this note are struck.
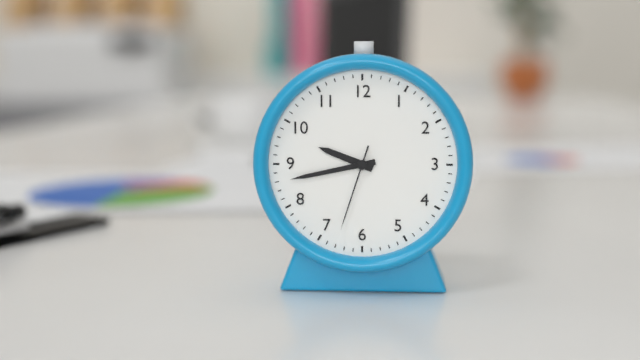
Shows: 9:43:33
